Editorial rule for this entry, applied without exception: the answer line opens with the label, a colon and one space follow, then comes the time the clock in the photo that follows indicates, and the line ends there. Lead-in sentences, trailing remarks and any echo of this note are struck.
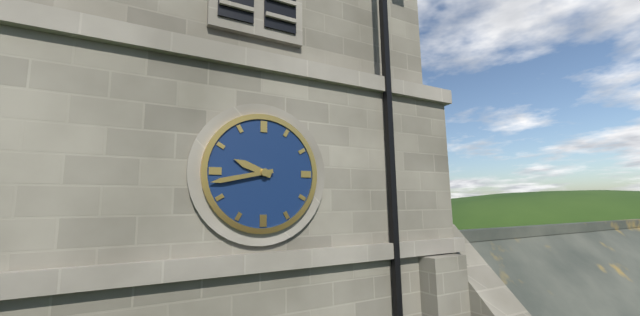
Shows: 9:43
